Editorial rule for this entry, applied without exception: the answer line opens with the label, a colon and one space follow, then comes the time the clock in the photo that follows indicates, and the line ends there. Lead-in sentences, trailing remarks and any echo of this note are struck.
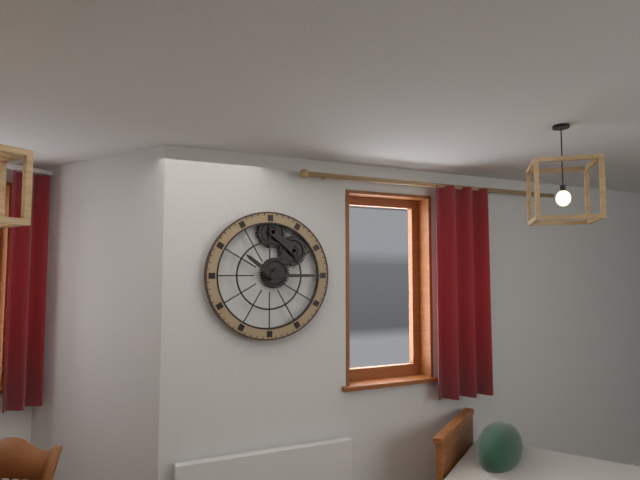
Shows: 10:15
